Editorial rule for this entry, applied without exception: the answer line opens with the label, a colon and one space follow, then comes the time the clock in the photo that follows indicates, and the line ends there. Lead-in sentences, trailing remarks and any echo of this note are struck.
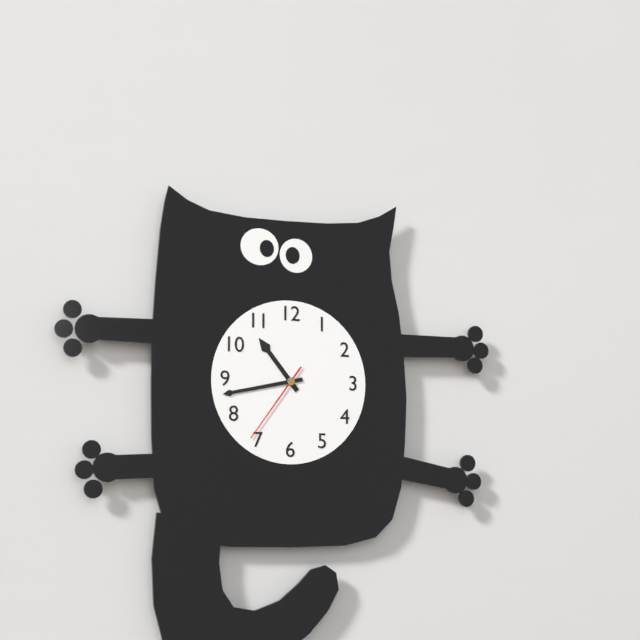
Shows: 10:43:36
